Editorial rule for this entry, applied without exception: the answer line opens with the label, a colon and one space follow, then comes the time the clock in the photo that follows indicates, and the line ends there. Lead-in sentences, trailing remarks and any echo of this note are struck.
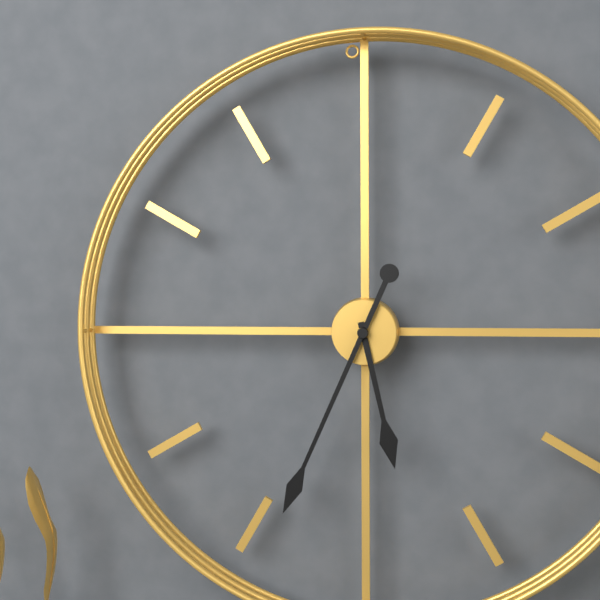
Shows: 5:34
